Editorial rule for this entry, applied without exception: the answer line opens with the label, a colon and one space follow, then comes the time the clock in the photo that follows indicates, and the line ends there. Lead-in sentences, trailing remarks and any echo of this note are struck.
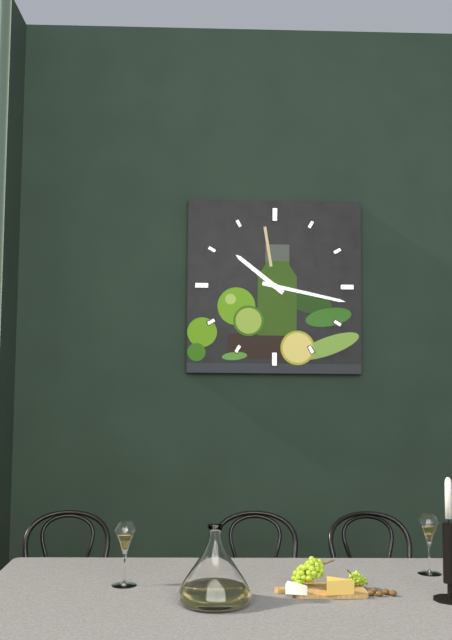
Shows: 10:17
